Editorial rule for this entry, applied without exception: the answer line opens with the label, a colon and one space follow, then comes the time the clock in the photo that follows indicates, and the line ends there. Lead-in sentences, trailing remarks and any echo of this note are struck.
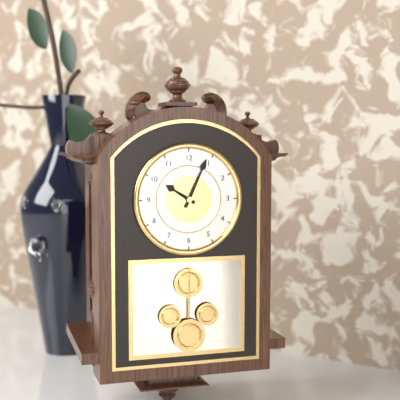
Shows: 10:04
